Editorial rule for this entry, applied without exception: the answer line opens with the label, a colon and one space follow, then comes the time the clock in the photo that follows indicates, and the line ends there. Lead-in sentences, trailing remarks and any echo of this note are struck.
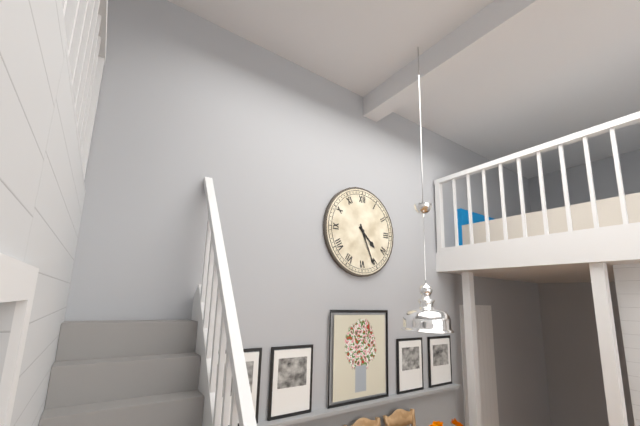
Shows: 4:26
